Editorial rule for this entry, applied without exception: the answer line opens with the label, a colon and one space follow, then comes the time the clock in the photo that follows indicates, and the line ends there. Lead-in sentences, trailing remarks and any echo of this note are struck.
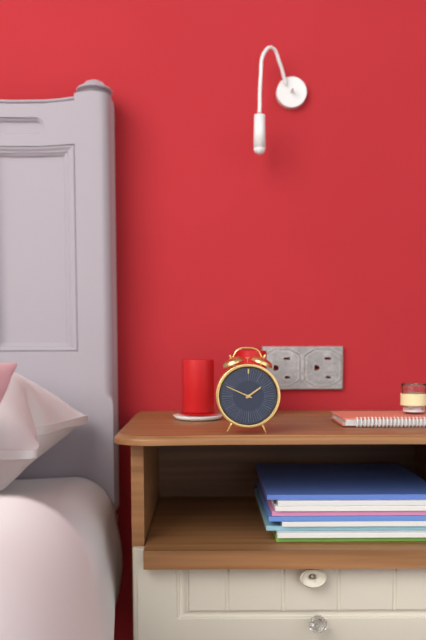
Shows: 1:49
